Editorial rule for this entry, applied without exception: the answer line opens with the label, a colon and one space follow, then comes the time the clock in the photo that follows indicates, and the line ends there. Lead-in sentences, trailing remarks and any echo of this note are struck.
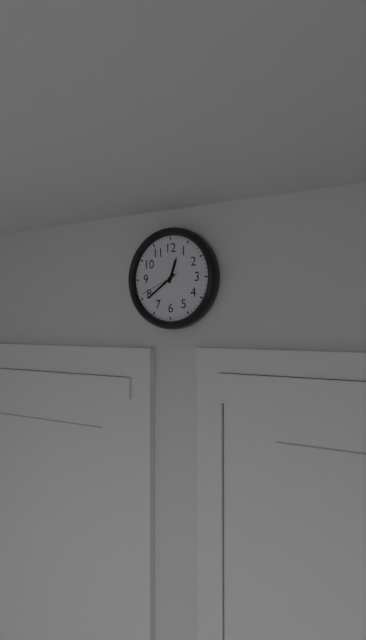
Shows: 12:39
